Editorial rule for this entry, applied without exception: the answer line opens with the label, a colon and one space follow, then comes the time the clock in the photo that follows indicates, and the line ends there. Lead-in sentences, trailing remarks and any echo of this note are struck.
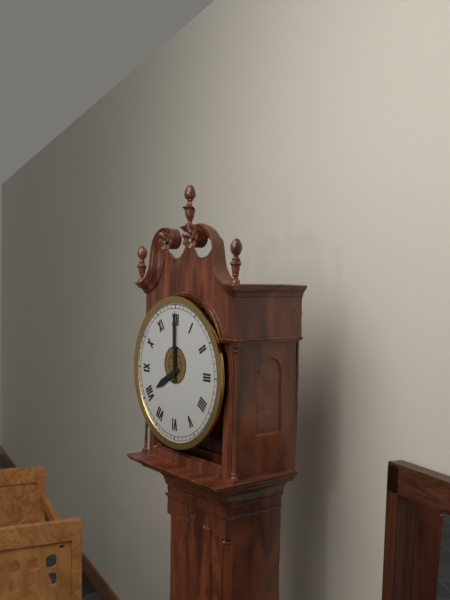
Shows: 8:00
